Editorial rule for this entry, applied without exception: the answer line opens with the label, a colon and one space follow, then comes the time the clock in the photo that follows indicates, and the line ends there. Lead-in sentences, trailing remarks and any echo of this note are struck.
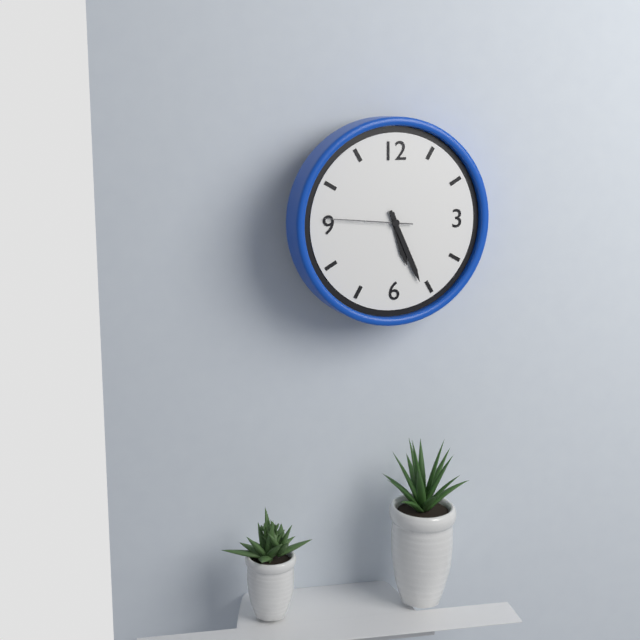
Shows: 5:26:46
